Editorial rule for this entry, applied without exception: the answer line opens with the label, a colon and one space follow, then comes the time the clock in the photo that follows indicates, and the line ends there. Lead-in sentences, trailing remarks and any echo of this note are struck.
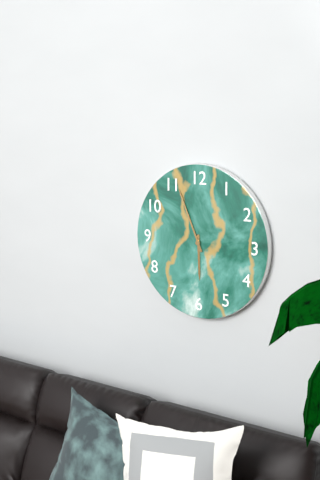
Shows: 5:56
